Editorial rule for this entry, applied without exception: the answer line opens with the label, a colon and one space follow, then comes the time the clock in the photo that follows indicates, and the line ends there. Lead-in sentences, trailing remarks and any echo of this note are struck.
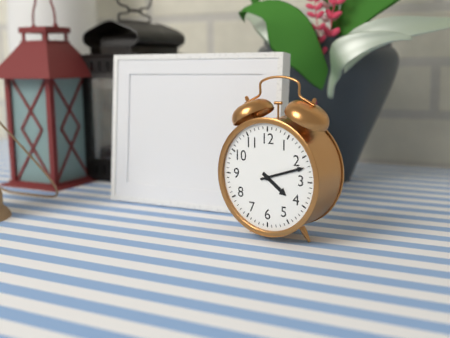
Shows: 4:12
